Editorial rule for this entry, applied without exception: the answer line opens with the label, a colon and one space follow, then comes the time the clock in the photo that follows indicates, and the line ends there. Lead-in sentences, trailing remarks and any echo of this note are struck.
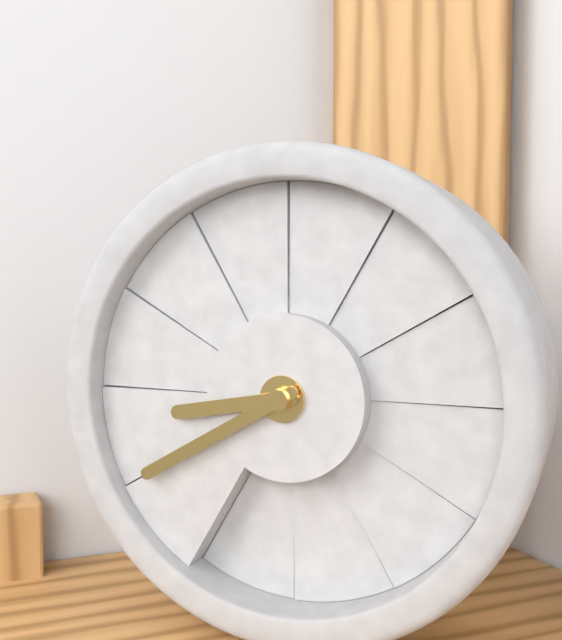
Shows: 8:40
